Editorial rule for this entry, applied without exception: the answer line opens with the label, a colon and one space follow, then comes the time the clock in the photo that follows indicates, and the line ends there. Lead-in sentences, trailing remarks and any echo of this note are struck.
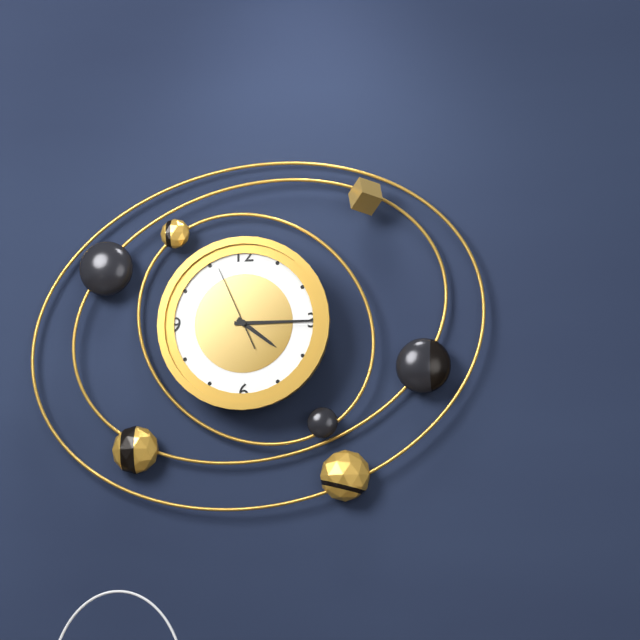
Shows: 4:15:56
